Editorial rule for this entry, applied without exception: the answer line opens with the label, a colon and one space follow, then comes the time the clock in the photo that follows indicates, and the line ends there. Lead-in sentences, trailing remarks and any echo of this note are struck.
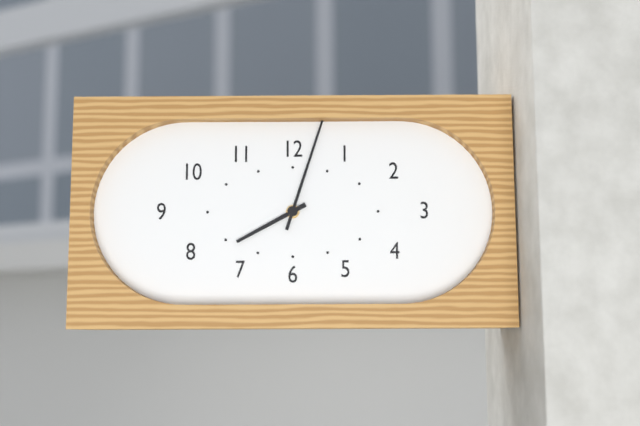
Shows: 8:03
